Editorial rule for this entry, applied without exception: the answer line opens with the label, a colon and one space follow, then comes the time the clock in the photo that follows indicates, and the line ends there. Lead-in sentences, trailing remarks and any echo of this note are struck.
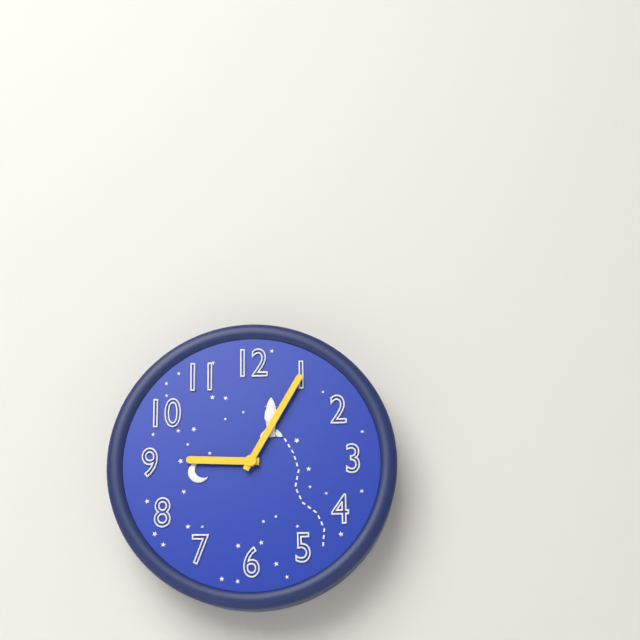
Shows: 9:05
